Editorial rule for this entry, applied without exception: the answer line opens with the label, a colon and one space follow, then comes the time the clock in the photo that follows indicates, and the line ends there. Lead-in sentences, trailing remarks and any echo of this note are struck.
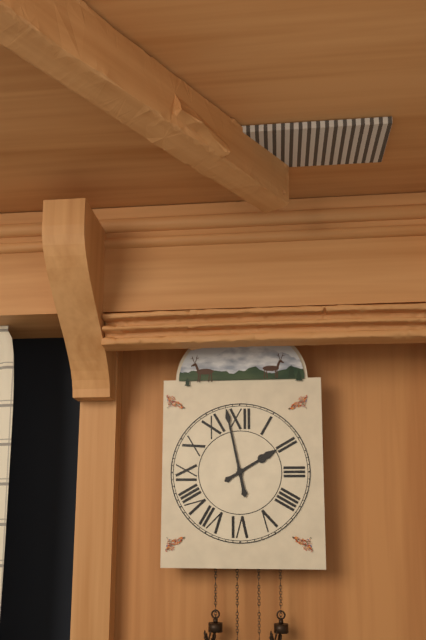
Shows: 1:58
